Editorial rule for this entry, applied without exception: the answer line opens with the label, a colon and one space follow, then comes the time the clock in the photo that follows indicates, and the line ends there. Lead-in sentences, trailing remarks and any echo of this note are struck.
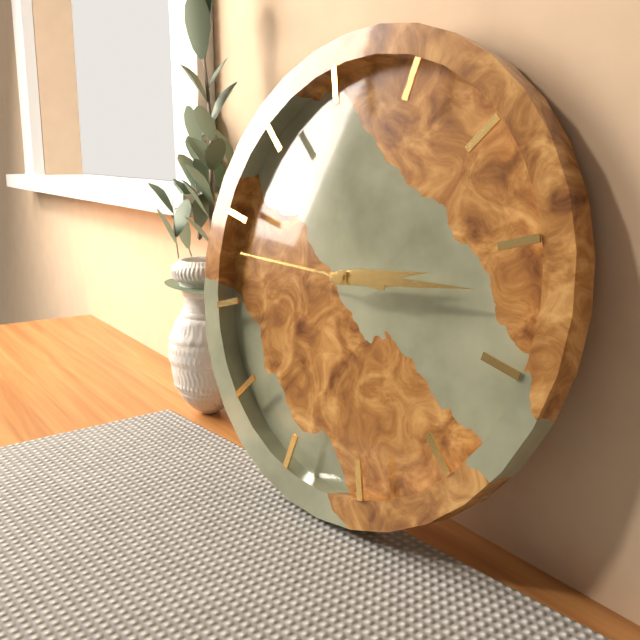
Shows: 2:12:43
